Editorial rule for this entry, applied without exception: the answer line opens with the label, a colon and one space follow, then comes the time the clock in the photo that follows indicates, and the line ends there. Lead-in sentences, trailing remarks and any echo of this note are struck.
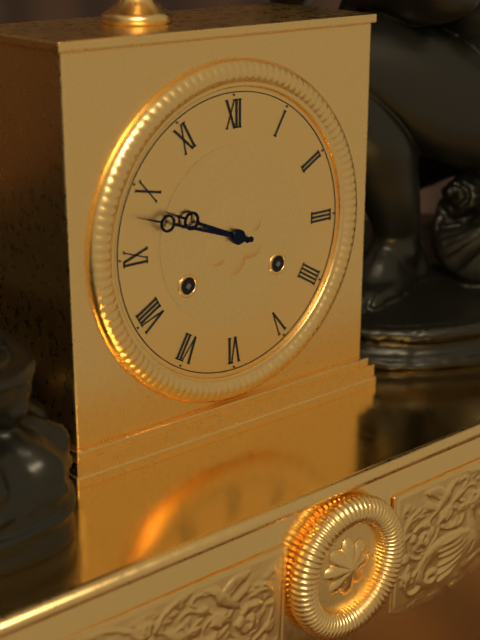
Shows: 9:48
